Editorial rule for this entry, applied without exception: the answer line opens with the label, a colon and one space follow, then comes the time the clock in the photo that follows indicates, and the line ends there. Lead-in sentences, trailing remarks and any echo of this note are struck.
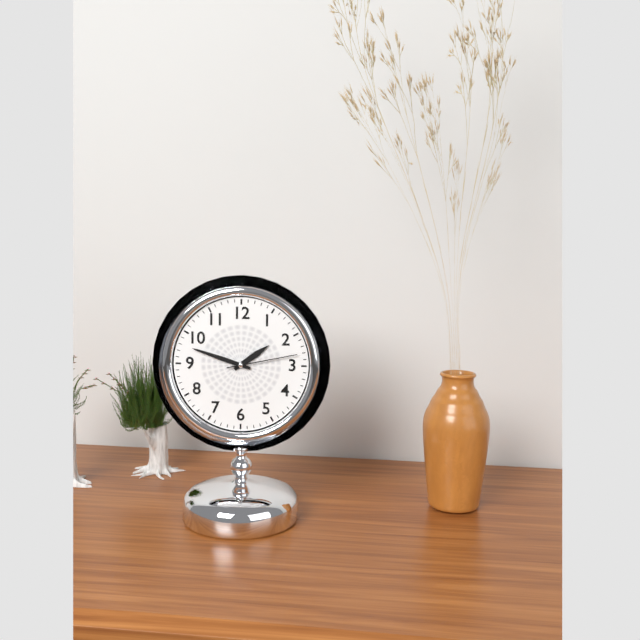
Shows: 1:48:13
